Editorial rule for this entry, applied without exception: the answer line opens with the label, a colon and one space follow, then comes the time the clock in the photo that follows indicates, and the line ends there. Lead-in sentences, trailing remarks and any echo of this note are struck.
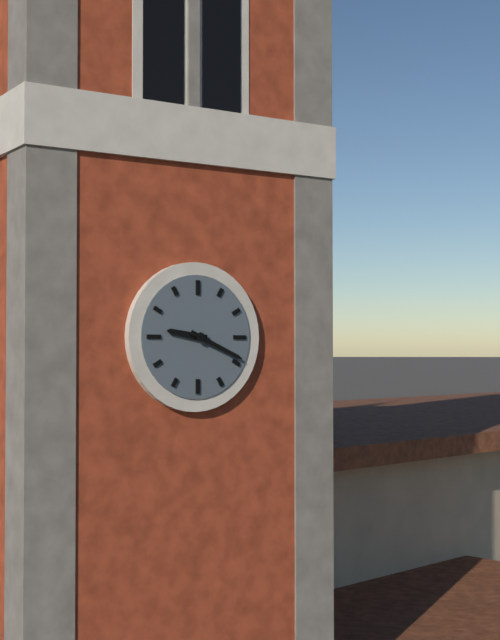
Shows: 9:19
